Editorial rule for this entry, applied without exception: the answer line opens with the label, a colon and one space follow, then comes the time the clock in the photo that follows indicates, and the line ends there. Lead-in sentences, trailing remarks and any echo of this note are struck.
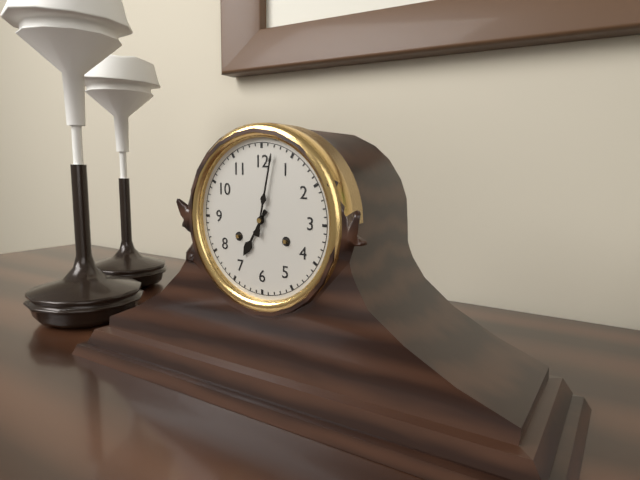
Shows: 7:02
